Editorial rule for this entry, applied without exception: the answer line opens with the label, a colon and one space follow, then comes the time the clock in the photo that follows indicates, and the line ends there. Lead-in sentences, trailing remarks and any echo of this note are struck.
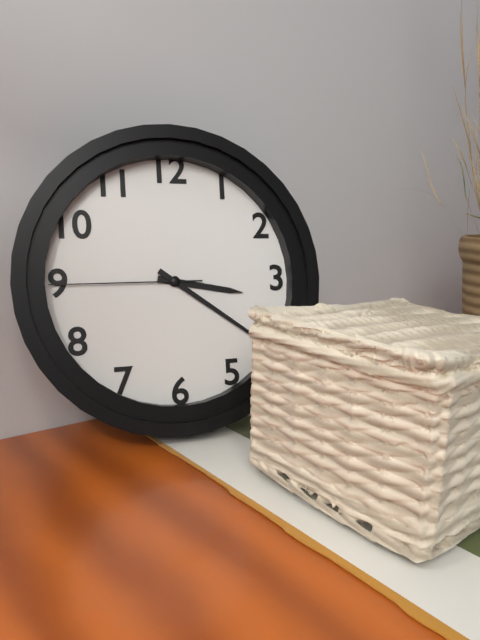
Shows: 3:21:45
